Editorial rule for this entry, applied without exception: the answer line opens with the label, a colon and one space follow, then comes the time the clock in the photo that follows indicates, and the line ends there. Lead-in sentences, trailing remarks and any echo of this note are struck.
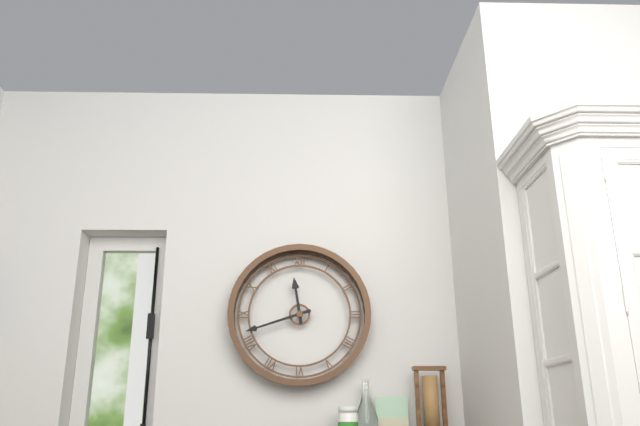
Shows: 11:42
